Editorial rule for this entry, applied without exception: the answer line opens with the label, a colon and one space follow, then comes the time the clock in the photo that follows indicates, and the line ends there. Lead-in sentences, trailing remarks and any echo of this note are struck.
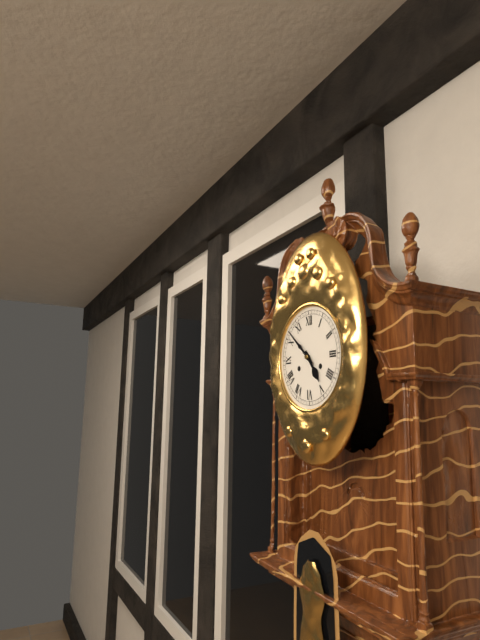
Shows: 4:52
